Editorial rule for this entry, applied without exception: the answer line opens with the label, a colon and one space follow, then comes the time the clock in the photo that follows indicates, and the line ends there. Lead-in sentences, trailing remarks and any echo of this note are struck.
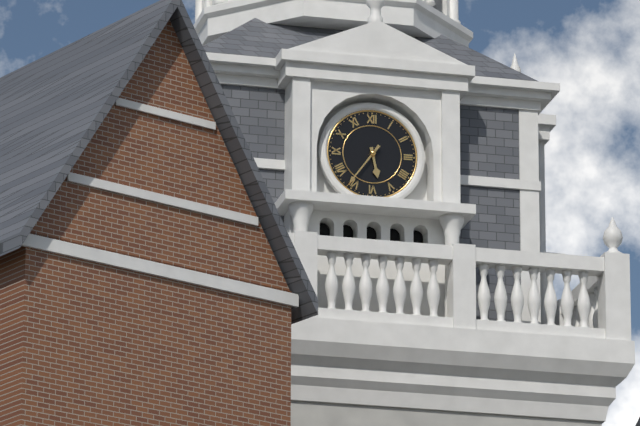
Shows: 5:36
